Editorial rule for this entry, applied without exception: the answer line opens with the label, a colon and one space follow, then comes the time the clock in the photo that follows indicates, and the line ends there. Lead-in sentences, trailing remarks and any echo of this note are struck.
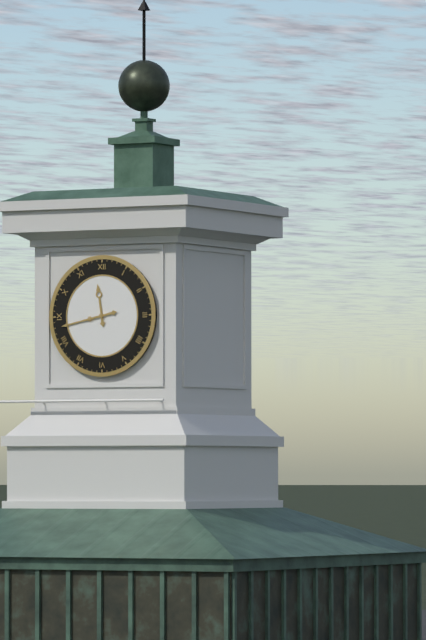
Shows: 11:43
